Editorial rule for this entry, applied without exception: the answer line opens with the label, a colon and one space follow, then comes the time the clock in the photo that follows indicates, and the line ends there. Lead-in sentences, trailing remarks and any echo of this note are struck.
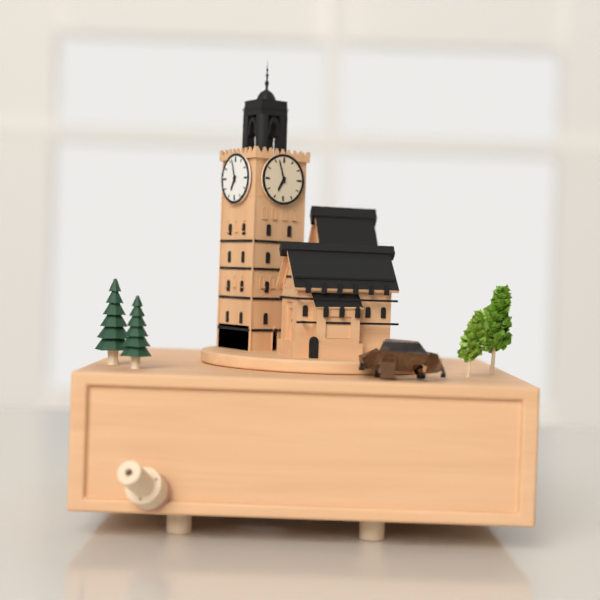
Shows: 6:57
